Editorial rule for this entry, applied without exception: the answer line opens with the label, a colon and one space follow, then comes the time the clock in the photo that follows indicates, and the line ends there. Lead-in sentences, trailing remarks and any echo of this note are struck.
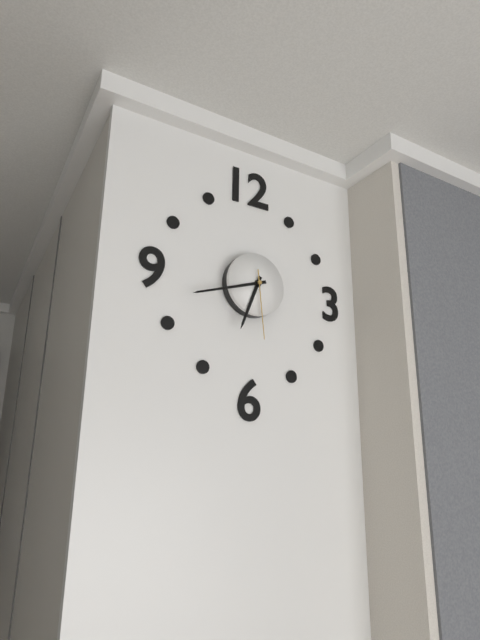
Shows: 6:42:29
